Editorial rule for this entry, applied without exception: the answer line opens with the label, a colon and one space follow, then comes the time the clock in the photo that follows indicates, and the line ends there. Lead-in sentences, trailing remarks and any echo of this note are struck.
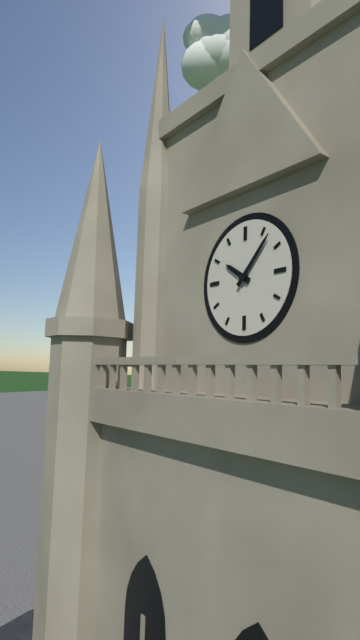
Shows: 10:07
